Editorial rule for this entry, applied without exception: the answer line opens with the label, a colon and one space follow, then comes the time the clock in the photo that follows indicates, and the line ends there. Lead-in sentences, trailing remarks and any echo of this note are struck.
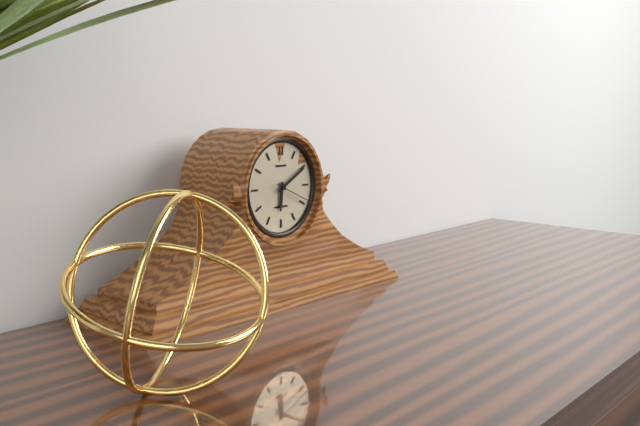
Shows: 6:10
